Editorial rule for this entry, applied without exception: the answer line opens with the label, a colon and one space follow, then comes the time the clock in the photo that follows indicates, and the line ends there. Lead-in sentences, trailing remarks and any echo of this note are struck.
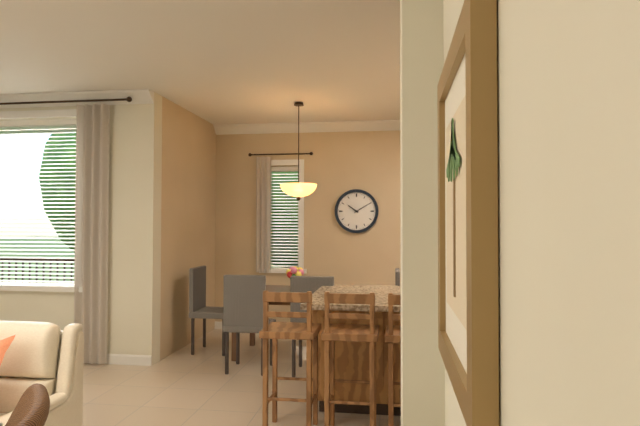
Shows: 10:10
